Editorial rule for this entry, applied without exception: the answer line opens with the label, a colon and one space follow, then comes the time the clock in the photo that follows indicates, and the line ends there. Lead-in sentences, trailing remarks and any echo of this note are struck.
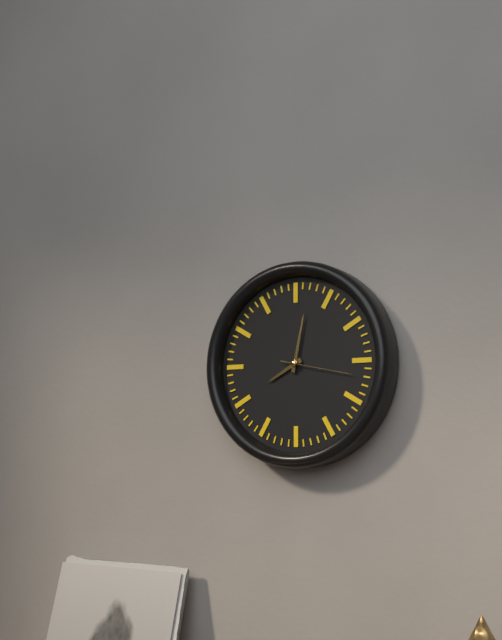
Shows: 8:02:17
